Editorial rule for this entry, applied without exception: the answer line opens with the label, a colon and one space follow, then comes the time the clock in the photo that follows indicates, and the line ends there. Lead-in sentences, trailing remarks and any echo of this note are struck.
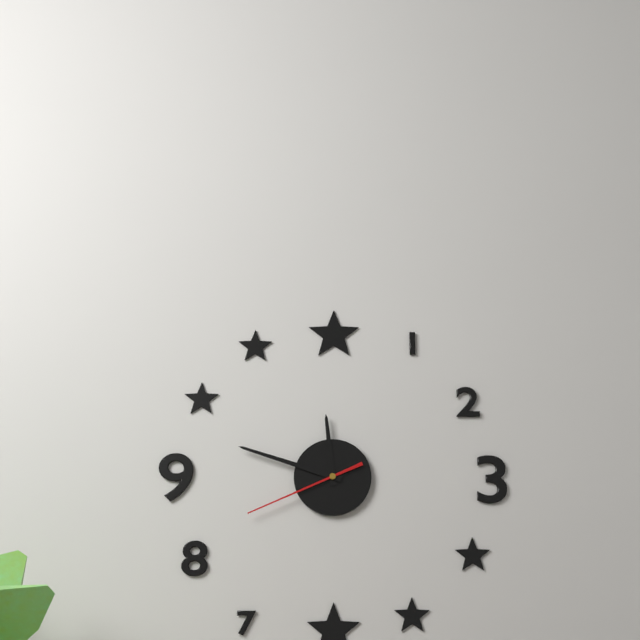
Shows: 11:48:41
